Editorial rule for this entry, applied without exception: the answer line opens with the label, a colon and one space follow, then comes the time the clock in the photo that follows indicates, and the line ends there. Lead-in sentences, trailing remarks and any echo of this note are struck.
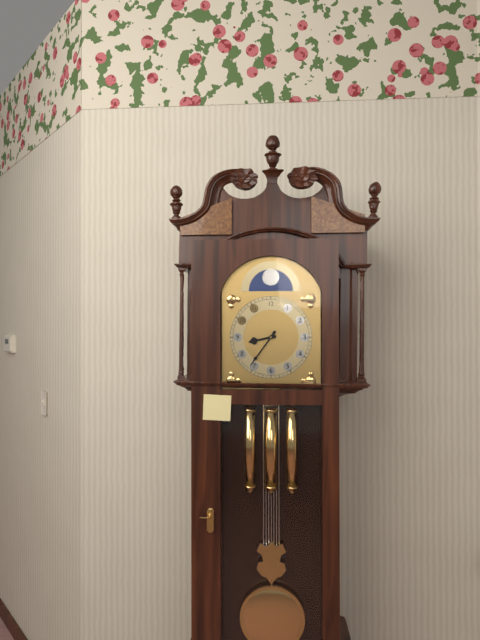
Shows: 8:36
